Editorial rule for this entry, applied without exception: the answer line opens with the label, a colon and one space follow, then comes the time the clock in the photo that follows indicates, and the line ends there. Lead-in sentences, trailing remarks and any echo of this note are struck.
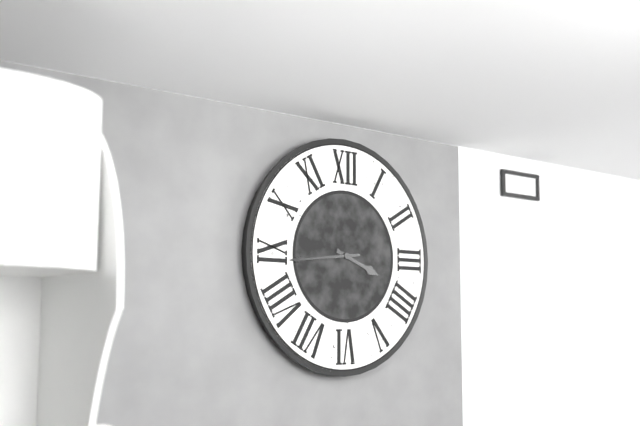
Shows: 3:44
